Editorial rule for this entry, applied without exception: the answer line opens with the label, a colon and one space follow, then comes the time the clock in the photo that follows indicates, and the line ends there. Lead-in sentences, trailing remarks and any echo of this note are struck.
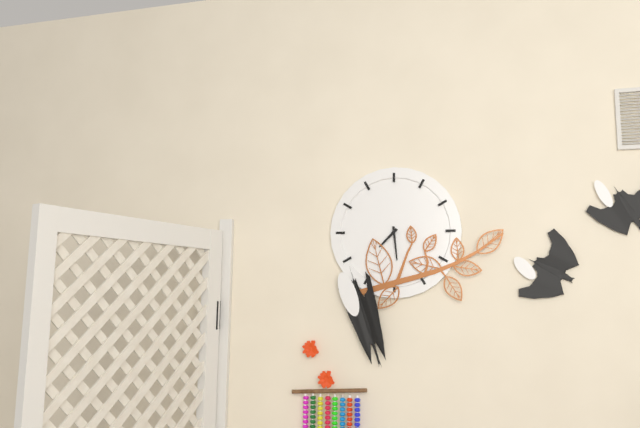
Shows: 7:29
